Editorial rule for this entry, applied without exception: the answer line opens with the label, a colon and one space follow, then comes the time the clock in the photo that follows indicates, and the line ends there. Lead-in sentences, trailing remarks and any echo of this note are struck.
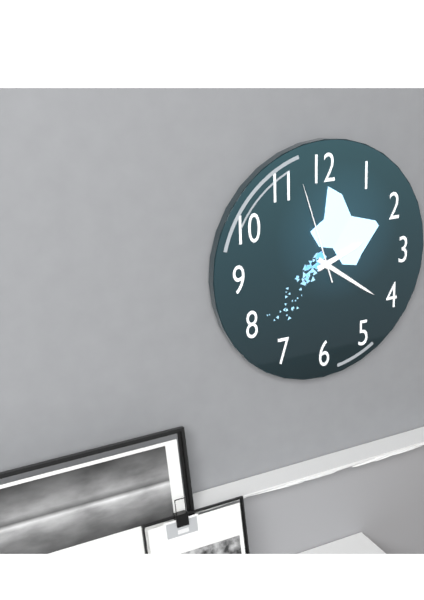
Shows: 2:21:57
